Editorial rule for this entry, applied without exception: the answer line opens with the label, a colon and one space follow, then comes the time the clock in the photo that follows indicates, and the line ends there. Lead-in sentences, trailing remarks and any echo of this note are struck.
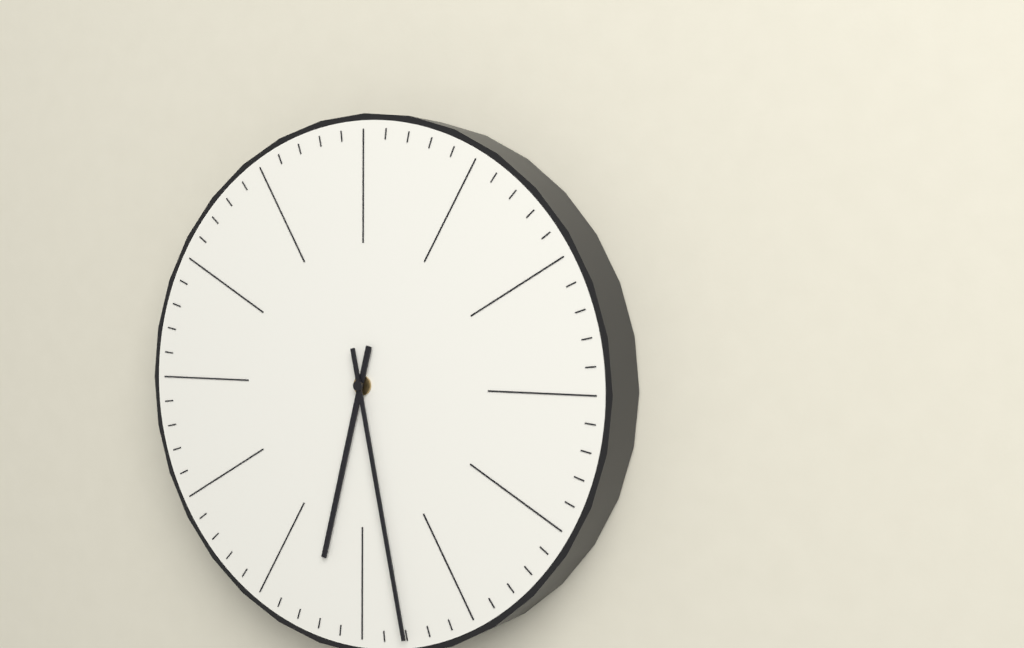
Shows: 6:28
